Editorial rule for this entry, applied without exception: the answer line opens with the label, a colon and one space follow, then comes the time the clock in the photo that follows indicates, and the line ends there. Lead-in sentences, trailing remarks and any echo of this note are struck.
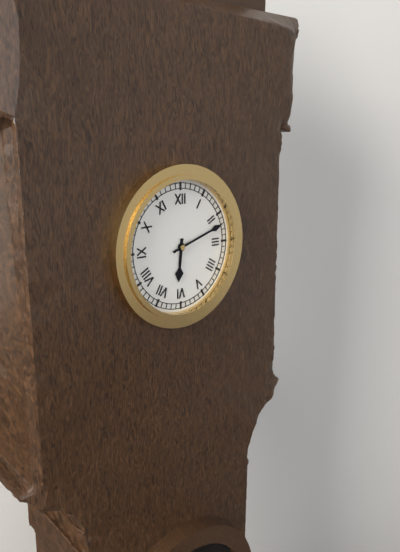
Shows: 6:12
